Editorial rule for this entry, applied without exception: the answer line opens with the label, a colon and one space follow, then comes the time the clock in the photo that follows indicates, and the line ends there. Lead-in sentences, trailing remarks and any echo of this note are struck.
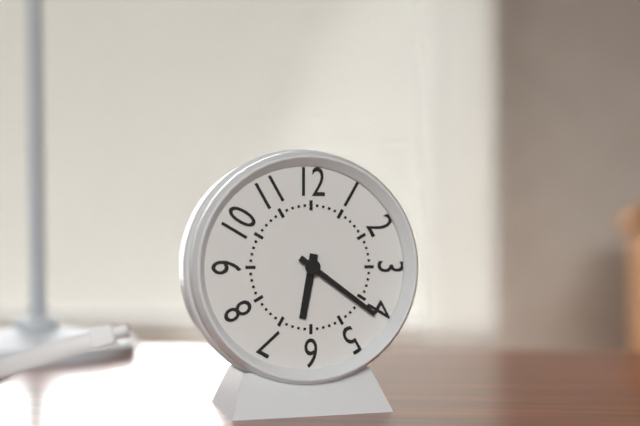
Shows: 6:21
